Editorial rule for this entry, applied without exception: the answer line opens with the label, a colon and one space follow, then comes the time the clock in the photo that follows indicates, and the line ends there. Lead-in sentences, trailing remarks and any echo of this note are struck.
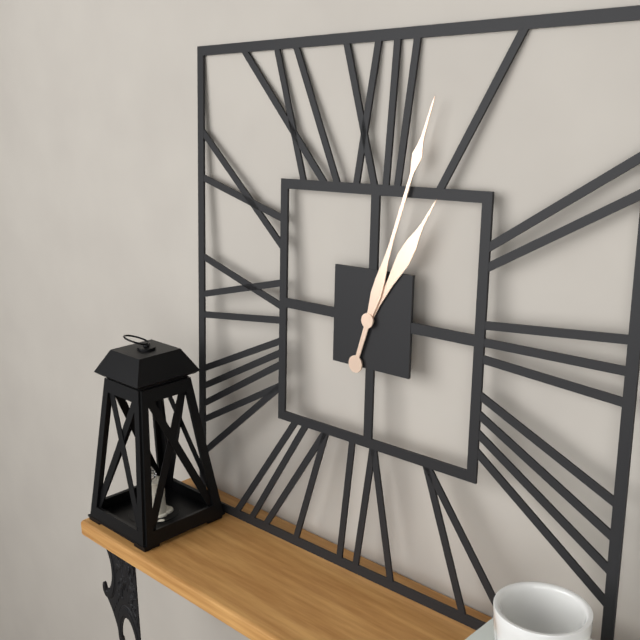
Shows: 1:03
